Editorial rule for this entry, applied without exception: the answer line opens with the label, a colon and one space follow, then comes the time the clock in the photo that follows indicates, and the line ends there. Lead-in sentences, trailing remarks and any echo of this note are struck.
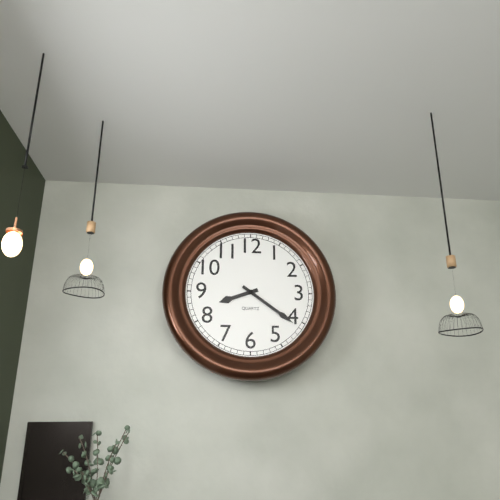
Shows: 8:21
